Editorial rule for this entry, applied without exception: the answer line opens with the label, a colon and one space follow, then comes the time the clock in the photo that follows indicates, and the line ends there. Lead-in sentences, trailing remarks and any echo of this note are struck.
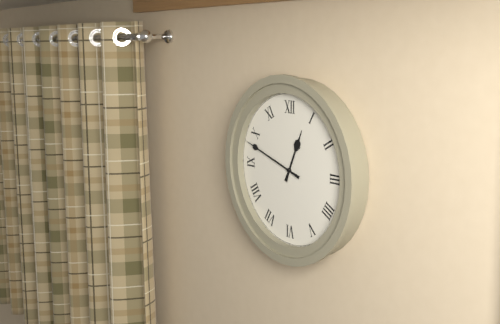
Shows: 12:48
